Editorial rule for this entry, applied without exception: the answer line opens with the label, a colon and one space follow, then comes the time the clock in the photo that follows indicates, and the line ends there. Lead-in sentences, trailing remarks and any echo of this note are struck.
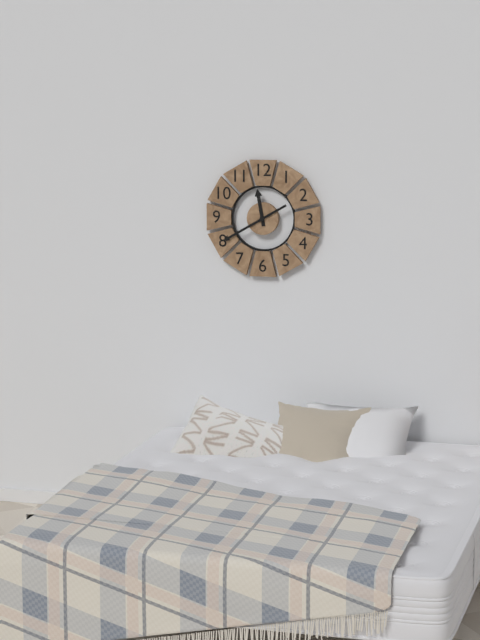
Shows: 11:40
